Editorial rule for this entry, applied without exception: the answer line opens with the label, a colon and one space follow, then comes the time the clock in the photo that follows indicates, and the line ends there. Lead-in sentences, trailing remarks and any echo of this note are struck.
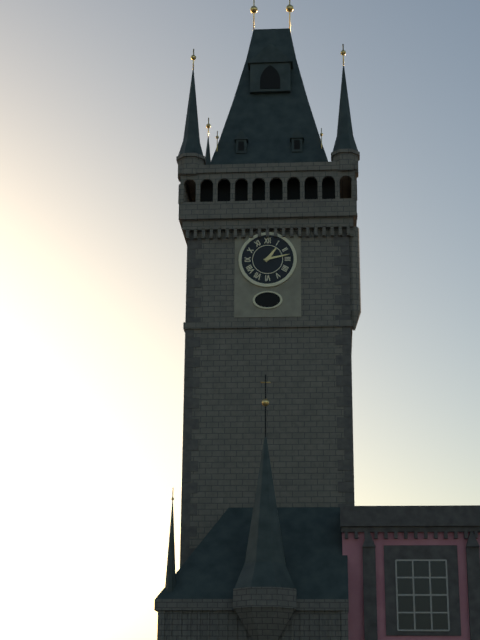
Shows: 1:13
